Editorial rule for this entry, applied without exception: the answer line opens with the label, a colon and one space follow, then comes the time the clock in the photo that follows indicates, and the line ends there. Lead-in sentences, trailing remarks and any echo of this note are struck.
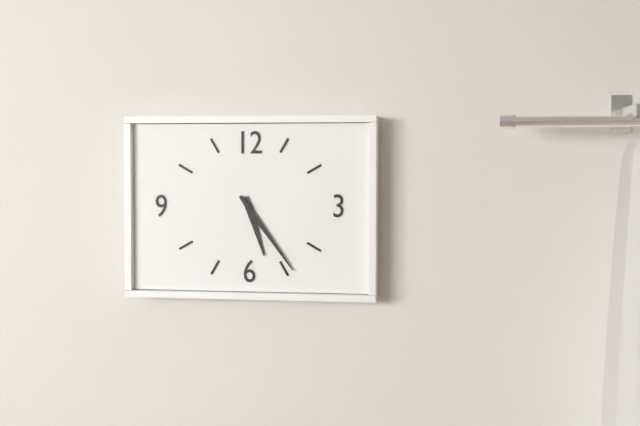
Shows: 5:24
